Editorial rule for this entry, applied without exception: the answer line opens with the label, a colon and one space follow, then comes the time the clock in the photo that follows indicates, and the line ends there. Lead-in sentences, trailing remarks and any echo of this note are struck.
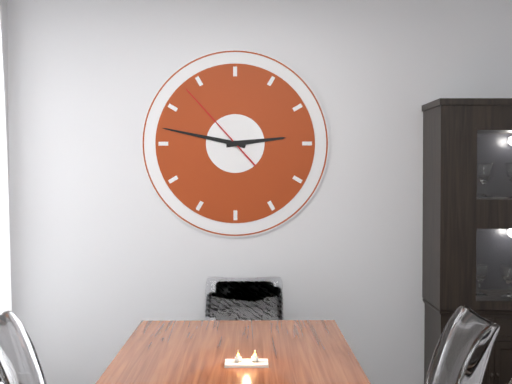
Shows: 2:47:53
